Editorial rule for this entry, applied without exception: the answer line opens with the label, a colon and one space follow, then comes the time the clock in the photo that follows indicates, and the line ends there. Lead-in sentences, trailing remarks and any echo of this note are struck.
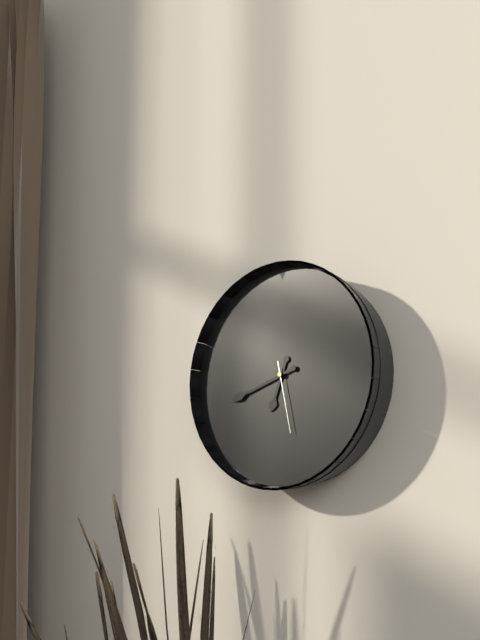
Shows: 6:42:28
